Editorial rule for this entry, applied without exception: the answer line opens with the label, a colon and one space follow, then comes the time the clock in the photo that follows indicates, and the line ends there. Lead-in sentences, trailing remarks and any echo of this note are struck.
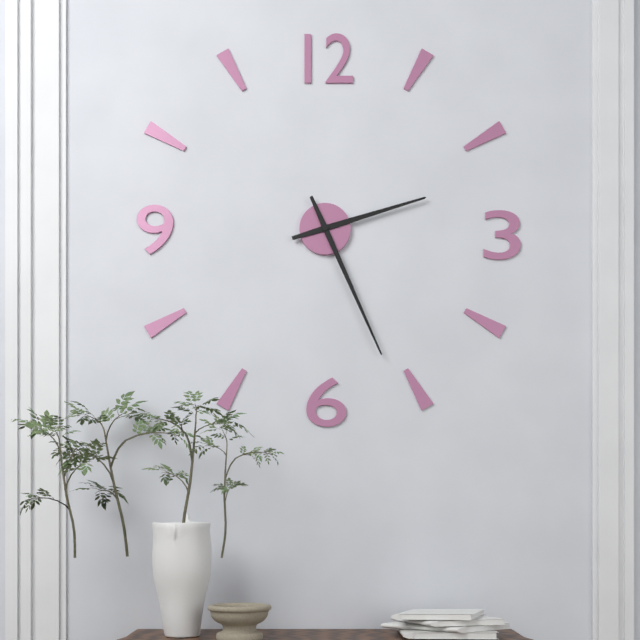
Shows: 2:26
